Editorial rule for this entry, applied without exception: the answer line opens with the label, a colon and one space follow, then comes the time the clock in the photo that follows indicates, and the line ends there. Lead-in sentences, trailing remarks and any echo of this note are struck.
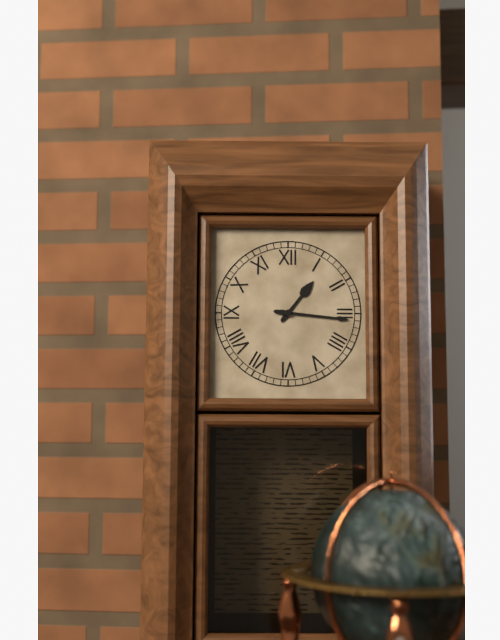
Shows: 1:16
